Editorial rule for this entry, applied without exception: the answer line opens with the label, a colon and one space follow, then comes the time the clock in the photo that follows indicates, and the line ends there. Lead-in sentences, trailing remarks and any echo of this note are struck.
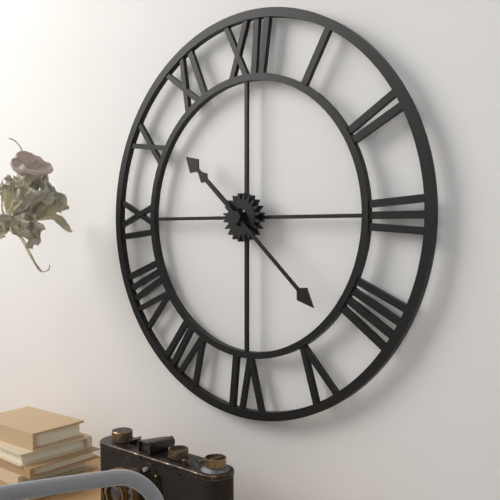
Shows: 10:22
